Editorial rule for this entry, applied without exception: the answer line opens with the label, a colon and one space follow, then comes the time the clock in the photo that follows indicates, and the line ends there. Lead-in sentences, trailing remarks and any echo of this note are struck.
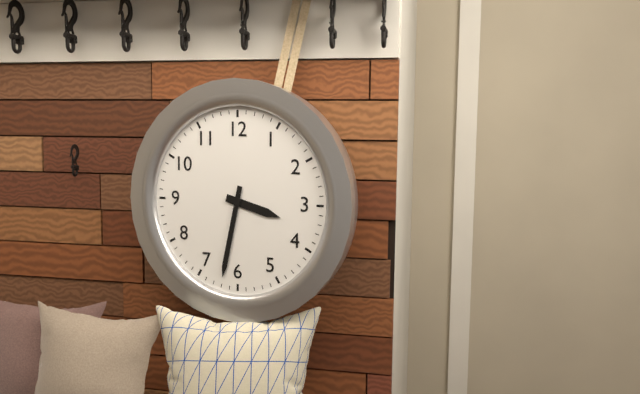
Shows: 3:32
